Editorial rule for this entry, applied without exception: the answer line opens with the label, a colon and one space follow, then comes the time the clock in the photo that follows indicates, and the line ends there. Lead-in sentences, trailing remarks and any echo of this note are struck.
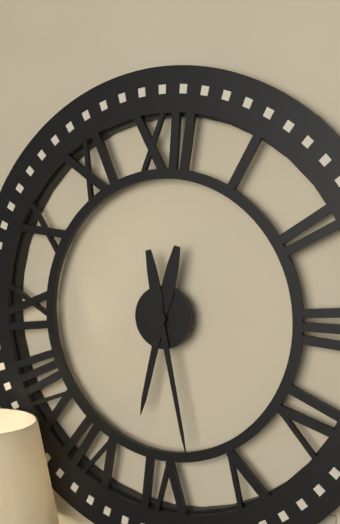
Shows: 6:28
